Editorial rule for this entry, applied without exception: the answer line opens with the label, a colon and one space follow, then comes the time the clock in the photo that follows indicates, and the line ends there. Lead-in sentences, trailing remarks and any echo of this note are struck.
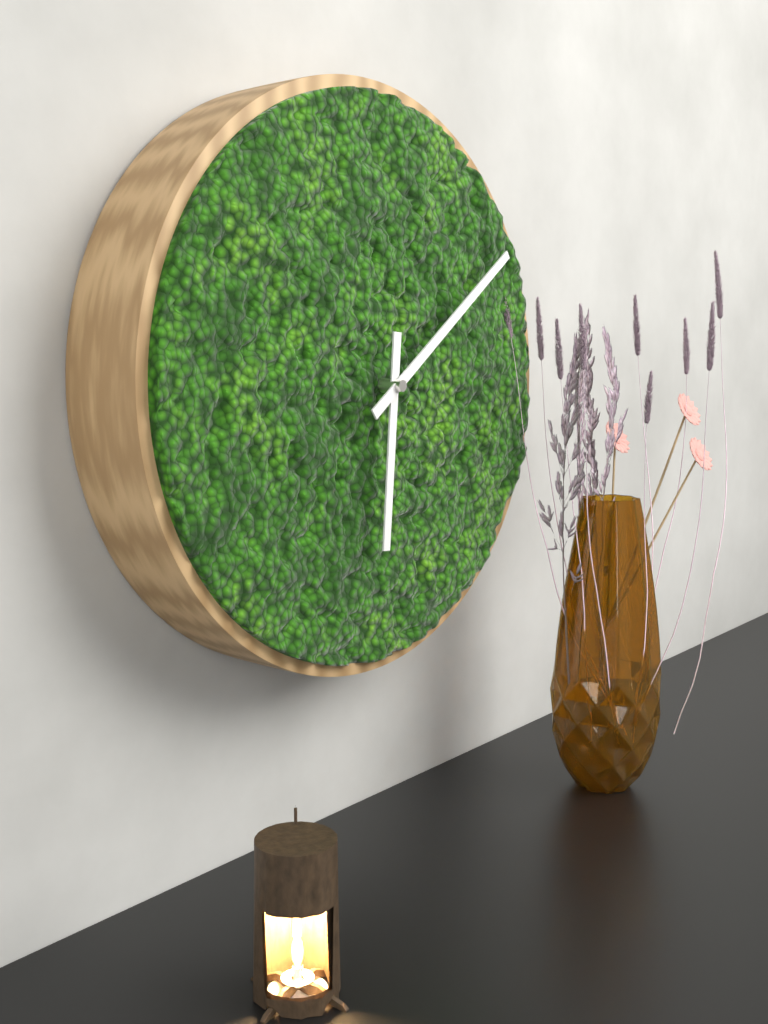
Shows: 6:09
